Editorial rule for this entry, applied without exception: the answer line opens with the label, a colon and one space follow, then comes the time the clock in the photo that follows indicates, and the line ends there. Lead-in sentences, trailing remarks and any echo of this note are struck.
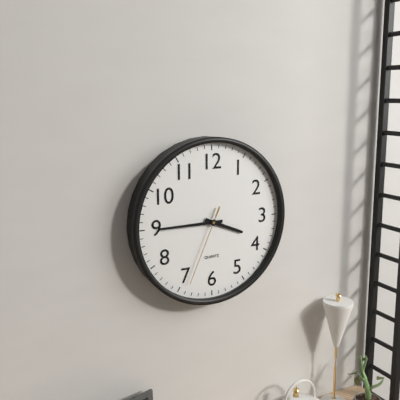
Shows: 3:45:34
